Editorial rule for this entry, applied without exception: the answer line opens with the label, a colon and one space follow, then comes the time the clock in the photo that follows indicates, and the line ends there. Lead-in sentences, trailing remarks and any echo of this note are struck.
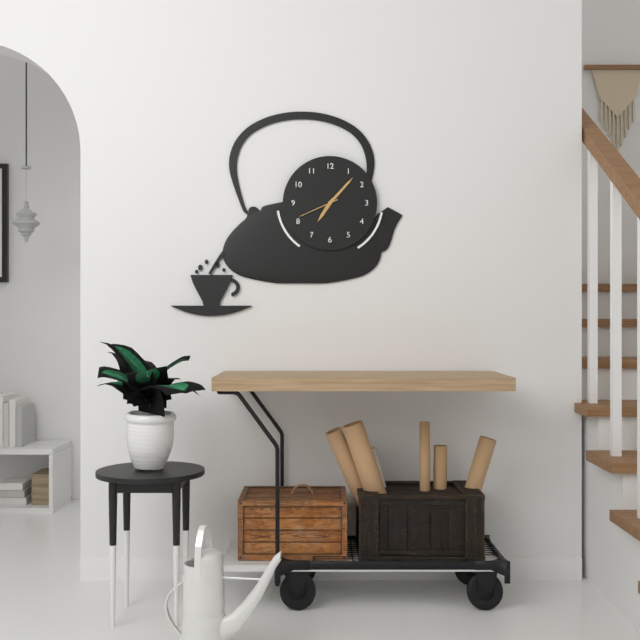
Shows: 7:07
